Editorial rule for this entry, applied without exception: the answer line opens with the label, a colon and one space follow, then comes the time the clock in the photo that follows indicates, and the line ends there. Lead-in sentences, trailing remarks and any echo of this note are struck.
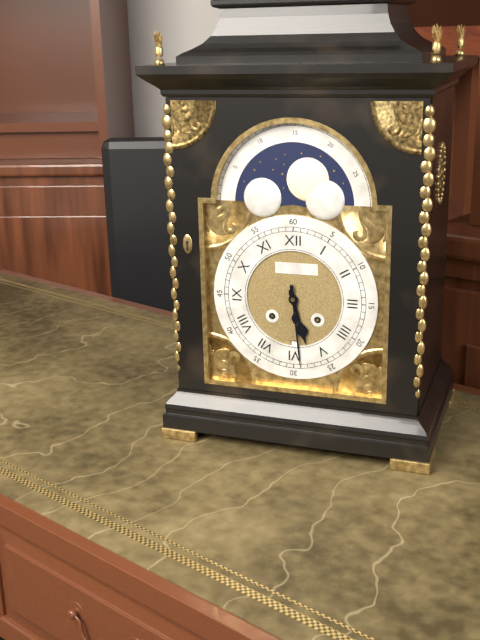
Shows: 5:29
